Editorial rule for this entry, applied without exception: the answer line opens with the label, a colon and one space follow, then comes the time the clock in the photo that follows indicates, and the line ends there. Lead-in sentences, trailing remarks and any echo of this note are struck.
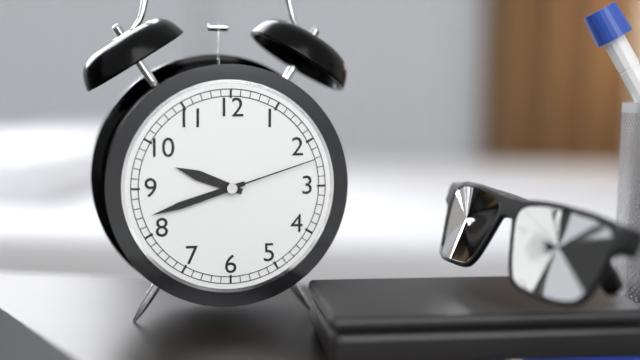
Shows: 9:42:12
